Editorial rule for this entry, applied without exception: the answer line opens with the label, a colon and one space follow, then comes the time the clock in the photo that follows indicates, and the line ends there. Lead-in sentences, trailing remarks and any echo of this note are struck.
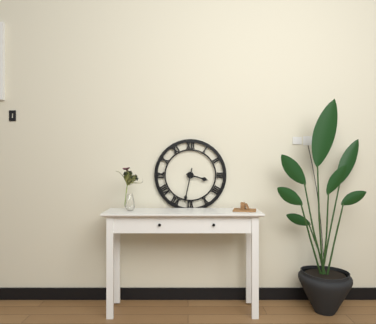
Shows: 3:32
